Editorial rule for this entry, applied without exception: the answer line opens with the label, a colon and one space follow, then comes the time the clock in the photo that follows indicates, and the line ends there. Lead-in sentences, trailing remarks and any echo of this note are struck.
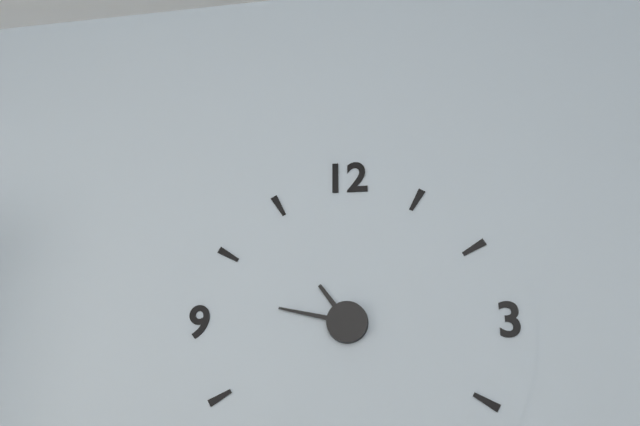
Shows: 10:47
